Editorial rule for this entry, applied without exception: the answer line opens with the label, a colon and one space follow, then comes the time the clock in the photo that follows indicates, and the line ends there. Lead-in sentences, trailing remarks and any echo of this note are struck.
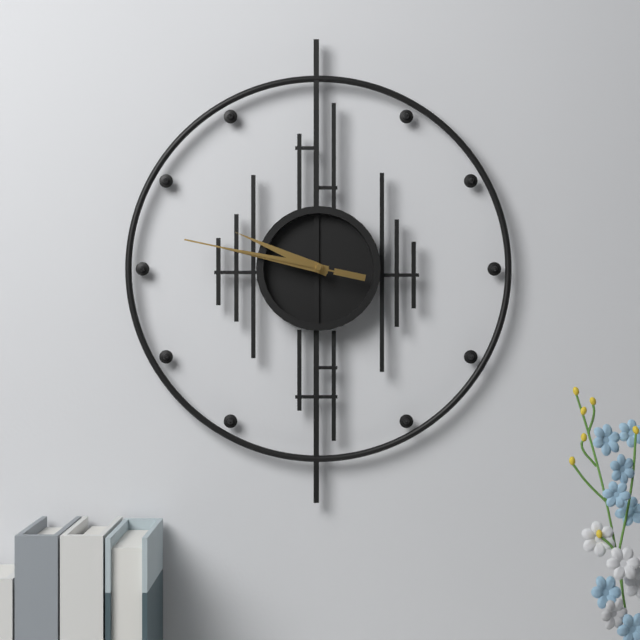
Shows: 9:47:47
